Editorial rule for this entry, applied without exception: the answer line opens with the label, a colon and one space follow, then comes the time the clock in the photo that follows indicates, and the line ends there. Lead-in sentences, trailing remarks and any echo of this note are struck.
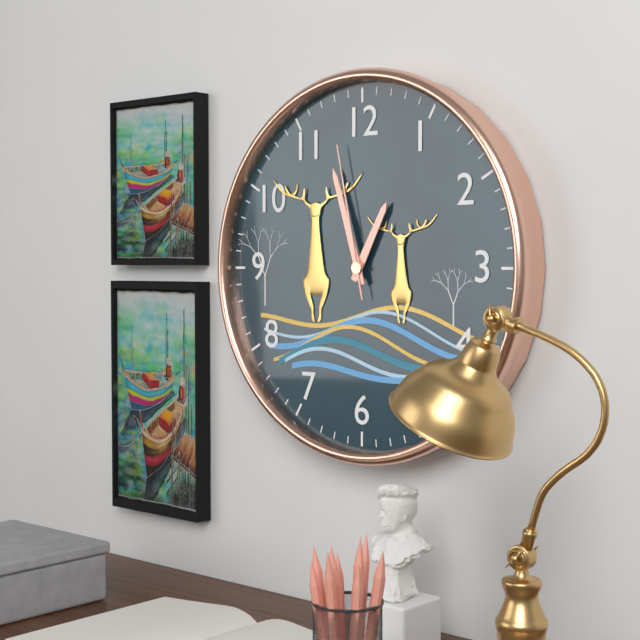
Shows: 12:57:58
